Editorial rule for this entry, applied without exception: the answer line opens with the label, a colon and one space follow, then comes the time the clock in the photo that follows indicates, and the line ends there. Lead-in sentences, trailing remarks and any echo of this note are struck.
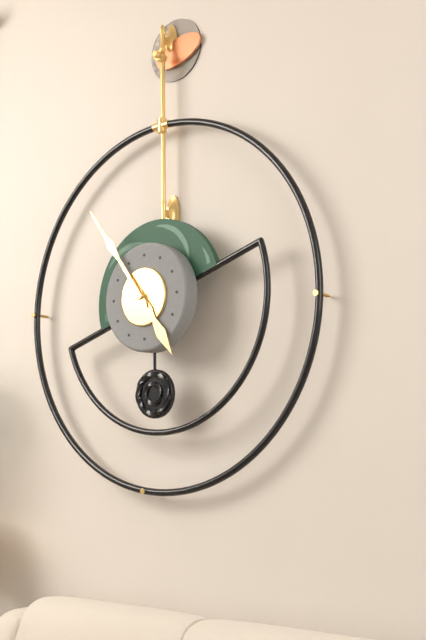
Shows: 4:54
